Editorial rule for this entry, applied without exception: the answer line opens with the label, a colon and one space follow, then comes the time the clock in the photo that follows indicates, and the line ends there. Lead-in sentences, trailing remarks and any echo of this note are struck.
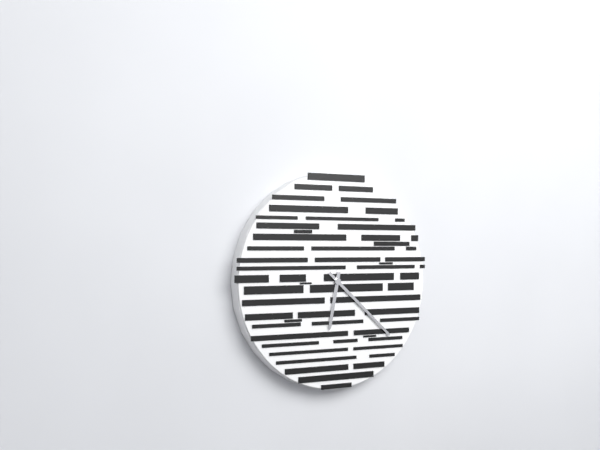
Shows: 6:22
